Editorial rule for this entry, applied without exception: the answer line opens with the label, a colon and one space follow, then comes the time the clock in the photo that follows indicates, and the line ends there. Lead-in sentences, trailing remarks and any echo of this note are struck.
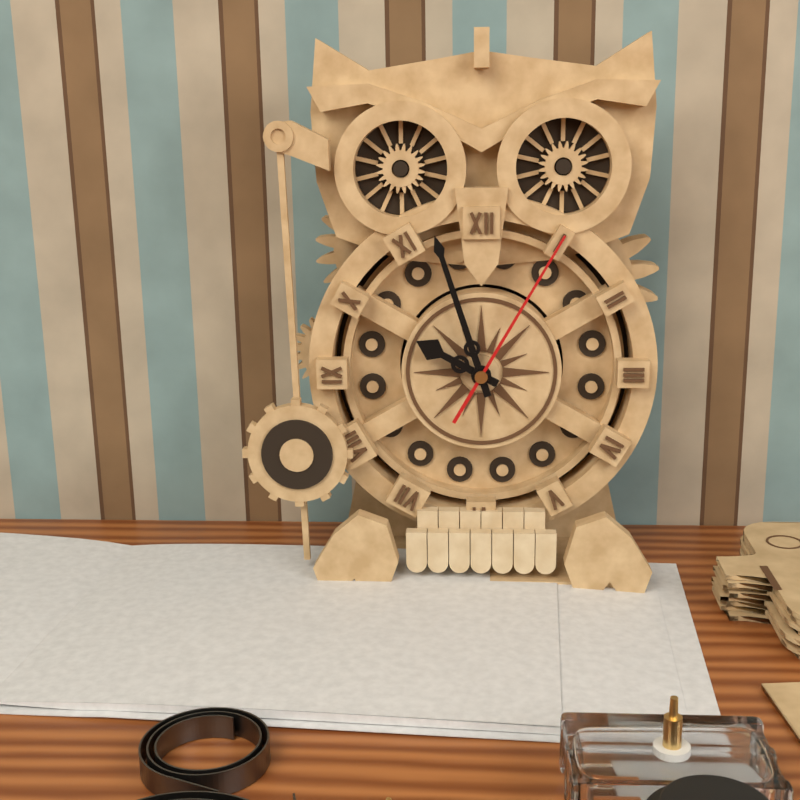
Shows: 9:57:05
